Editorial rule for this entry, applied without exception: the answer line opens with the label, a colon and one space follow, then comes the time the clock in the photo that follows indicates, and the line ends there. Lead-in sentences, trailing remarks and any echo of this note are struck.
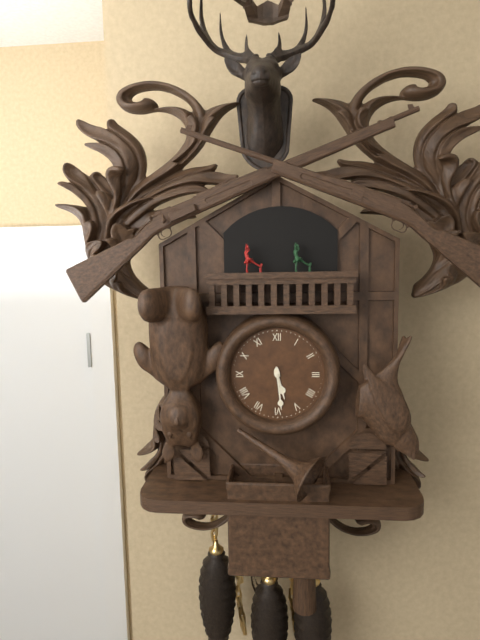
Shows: 5:29
